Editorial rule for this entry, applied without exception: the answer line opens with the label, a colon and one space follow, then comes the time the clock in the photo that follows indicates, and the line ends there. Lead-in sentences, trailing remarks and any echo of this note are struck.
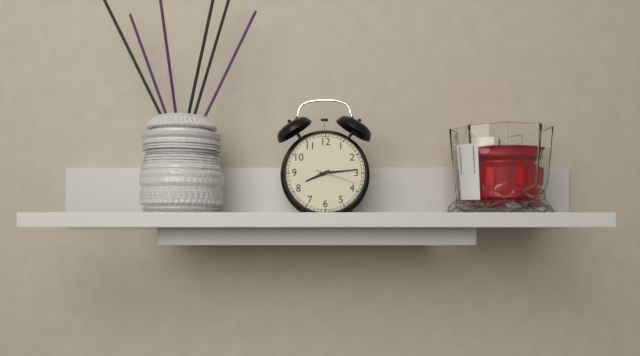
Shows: 8:14
